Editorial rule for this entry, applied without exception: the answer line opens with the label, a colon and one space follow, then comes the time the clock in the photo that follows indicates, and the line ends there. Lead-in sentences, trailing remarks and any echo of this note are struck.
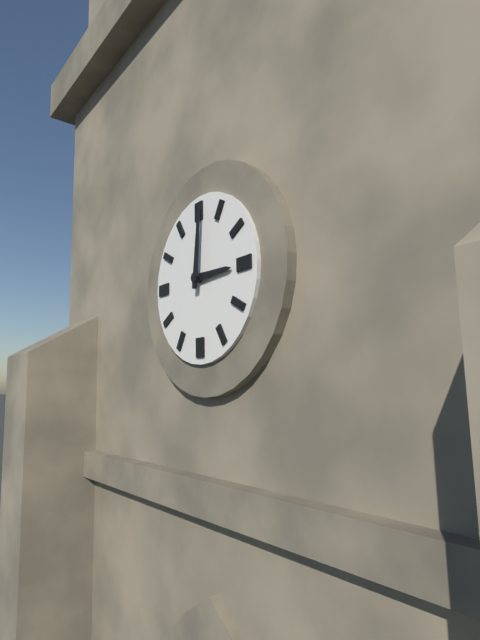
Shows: 3:01
